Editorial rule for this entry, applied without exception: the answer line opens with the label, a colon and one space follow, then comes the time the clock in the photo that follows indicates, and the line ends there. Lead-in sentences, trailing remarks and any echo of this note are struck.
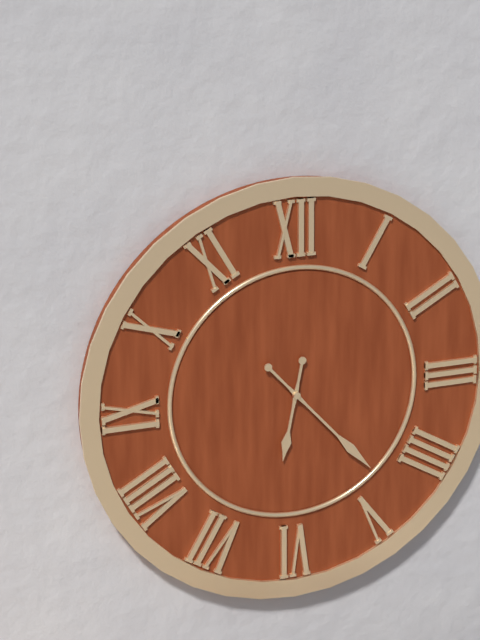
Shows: 6:23
